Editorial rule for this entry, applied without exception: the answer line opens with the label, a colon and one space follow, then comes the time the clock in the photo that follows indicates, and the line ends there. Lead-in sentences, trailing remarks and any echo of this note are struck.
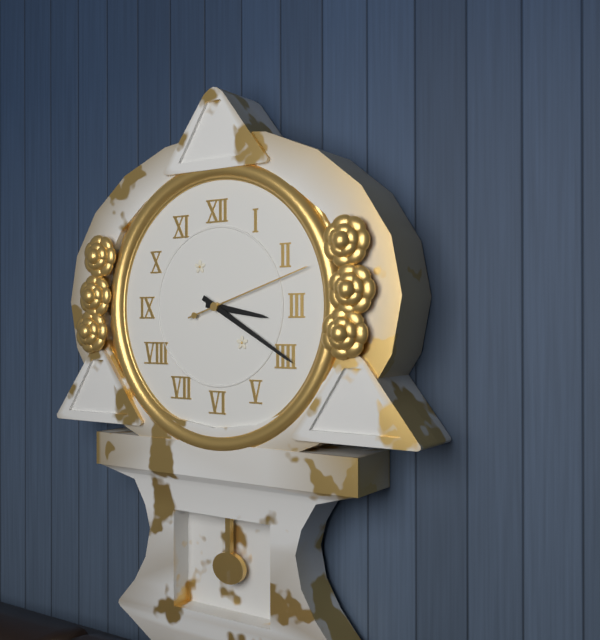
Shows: 3:20:12
